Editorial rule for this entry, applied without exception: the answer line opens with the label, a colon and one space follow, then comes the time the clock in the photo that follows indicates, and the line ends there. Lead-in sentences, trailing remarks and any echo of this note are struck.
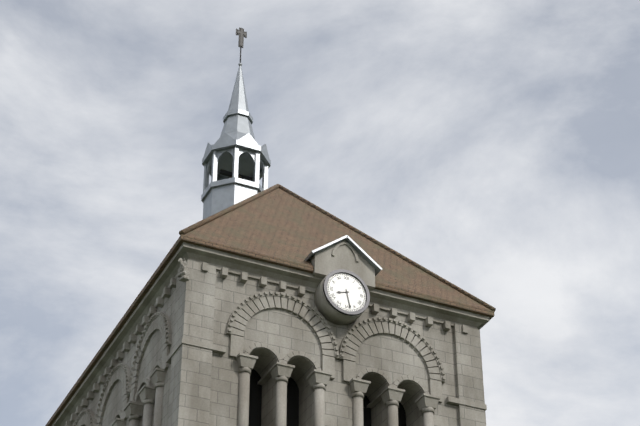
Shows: 8:28
